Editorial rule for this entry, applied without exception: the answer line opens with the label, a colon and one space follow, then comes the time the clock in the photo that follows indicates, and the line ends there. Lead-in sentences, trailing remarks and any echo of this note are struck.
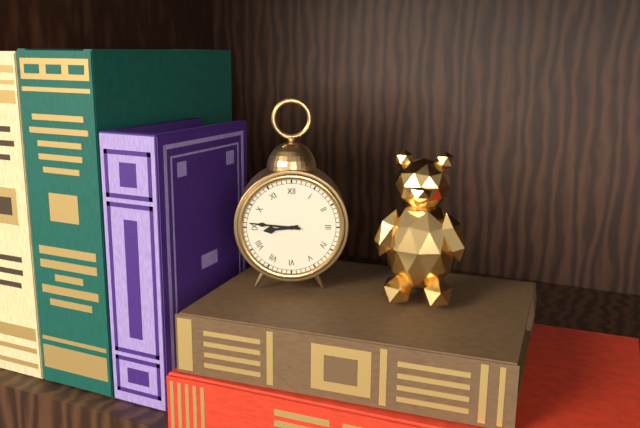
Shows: 8:46
